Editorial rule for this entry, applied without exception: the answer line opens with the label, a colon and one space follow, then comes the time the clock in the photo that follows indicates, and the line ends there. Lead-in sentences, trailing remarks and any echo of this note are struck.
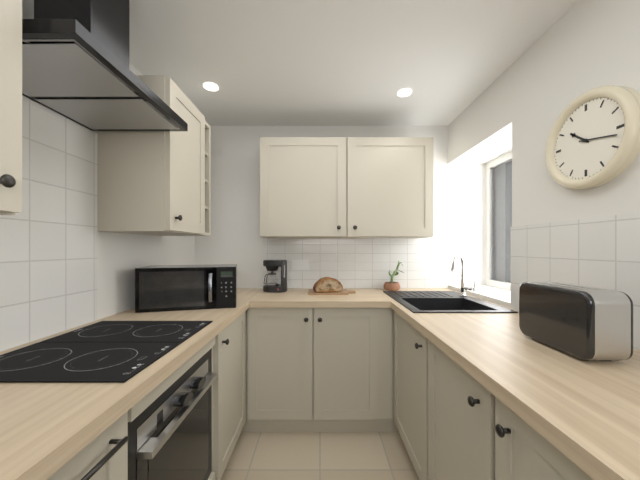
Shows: 10:17
